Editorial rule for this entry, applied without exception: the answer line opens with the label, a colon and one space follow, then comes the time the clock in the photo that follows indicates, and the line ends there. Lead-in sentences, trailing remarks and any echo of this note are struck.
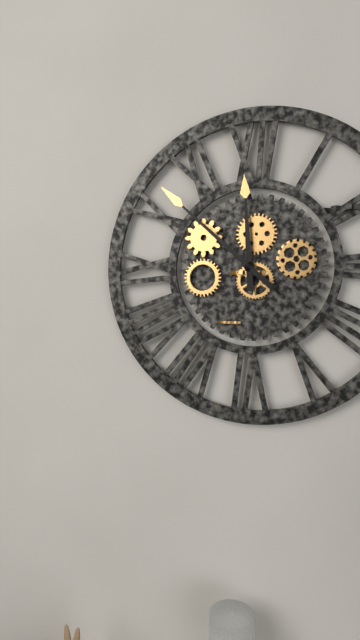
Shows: 11:52
